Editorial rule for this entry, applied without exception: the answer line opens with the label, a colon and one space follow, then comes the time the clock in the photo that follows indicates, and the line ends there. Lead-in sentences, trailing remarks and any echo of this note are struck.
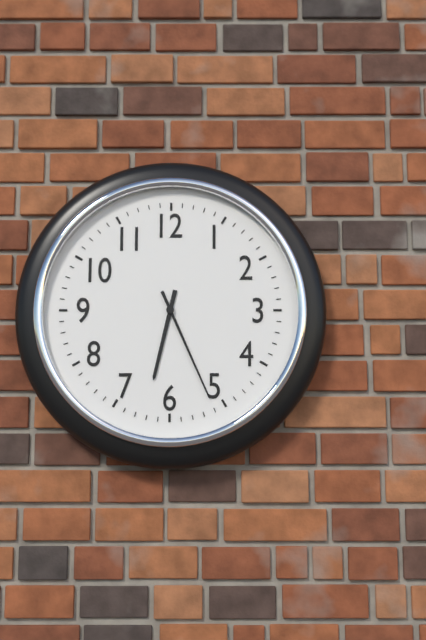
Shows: 6:26
